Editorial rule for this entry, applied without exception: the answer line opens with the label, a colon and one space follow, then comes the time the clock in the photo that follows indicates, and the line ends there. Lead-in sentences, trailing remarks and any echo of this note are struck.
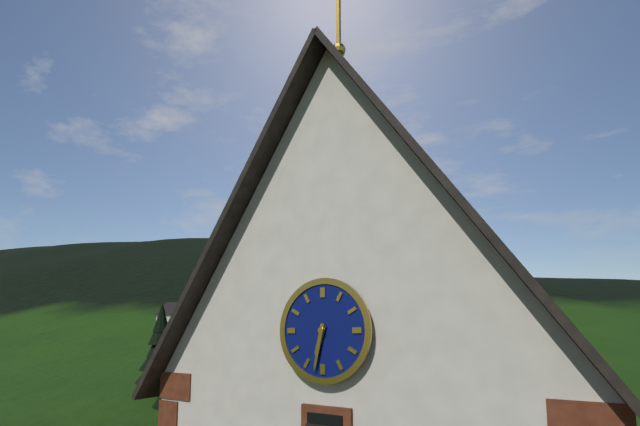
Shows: 6:32
